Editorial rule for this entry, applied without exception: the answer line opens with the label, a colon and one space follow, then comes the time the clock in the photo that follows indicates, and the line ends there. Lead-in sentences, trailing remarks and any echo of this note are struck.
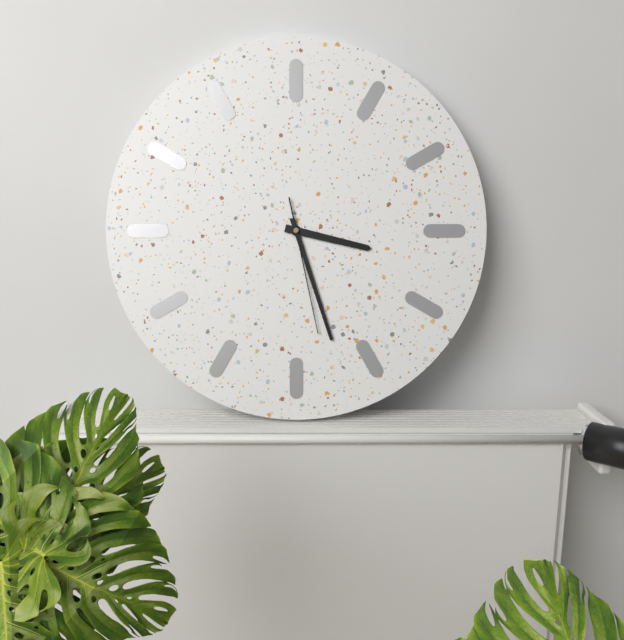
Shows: 3:27:28
